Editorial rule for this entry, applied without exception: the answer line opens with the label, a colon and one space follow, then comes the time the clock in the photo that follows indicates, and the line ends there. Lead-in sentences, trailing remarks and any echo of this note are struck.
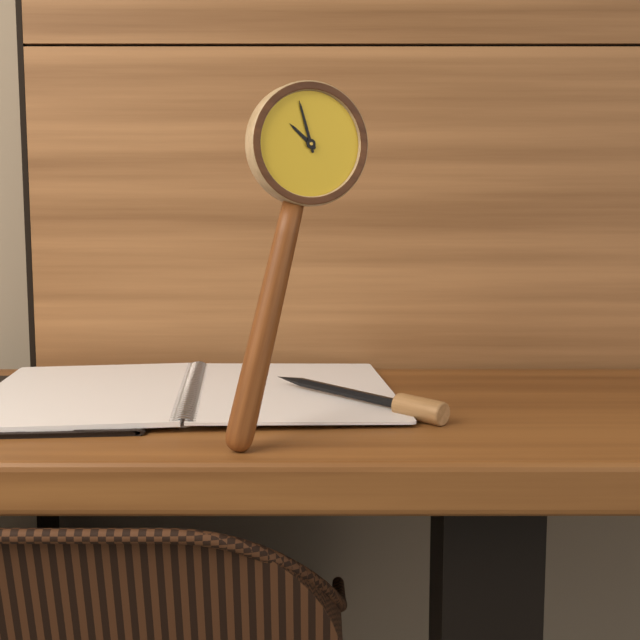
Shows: 9:55
